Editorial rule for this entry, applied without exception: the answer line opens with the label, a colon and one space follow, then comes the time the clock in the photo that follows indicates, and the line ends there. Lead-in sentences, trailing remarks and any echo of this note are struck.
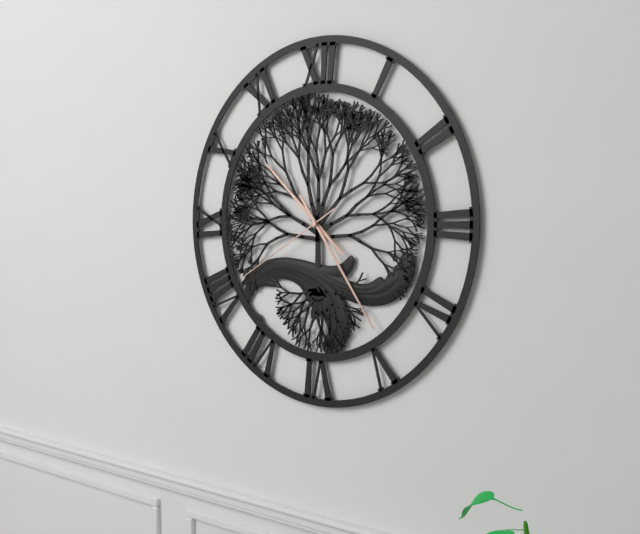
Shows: 10:24:40
